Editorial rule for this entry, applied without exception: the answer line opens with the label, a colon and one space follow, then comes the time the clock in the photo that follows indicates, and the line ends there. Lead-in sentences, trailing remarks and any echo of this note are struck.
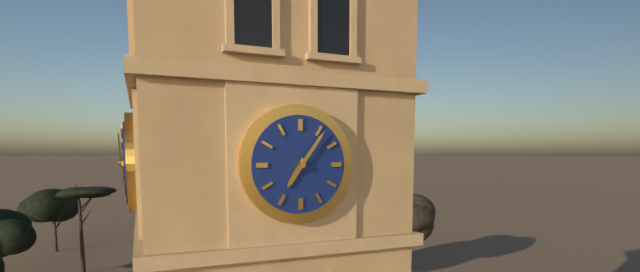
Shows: 7:06
